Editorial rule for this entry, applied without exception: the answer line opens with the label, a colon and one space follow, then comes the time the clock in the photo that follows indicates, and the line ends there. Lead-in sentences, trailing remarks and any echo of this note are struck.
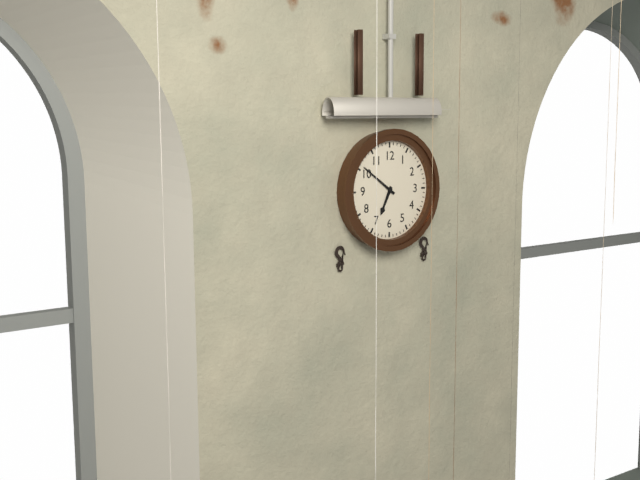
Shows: 6:51
